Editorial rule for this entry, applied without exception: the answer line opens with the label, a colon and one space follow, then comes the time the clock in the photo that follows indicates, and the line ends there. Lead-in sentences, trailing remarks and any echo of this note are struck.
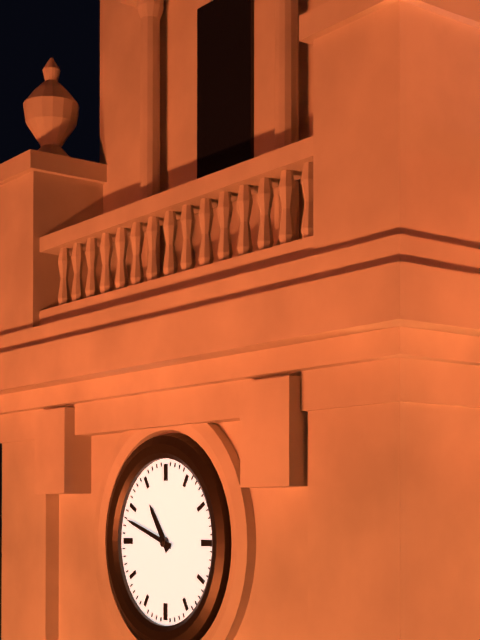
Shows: 10:48
